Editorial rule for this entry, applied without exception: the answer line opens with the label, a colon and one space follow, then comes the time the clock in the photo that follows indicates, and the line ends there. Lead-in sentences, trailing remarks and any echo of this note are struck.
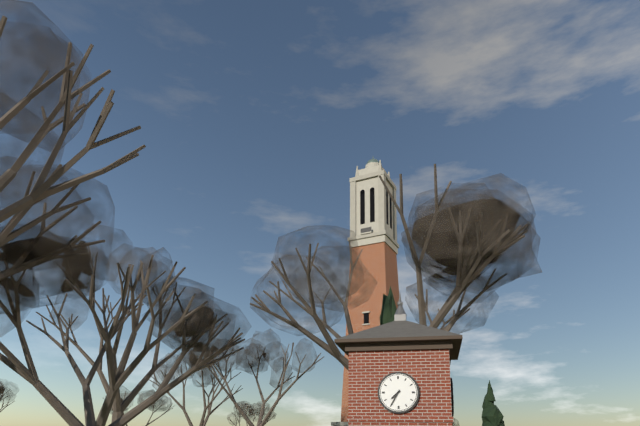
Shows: 7:35
